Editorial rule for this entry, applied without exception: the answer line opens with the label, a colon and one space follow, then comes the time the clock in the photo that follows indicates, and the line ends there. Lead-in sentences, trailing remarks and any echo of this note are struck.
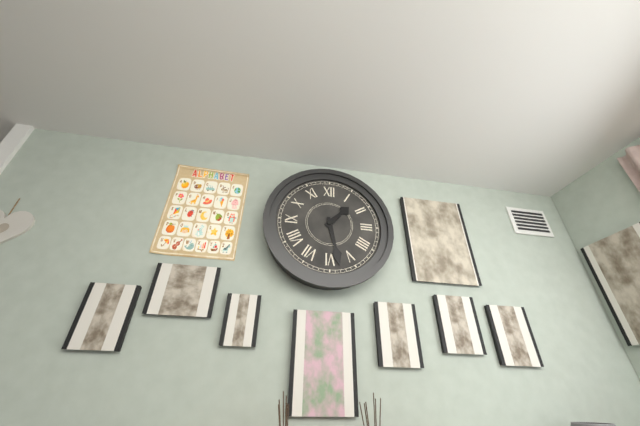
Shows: 1:28
